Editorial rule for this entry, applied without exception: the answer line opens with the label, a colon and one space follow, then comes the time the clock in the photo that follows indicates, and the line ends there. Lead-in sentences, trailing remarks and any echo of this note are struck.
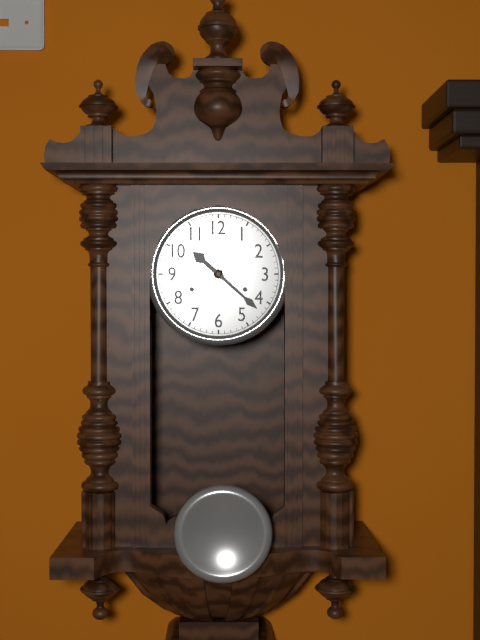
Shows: 10:22
